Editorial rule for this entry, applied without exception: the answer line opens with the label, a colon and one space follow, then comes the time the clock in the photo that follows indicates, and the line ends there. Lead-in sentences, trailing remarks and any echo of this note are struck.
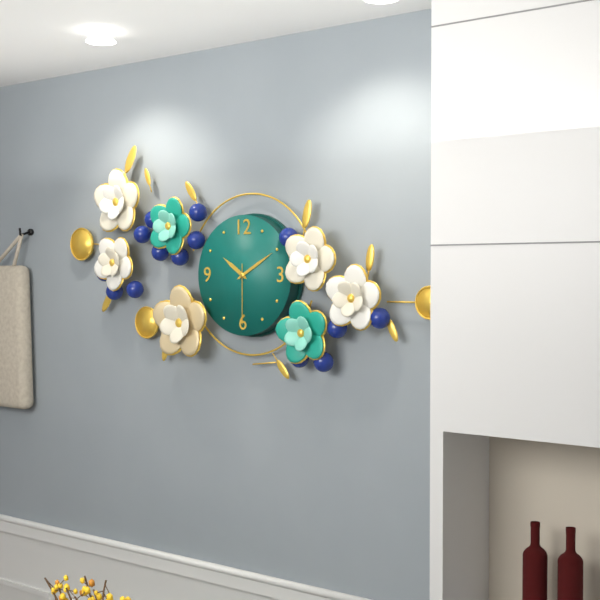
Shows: 10:10:30
